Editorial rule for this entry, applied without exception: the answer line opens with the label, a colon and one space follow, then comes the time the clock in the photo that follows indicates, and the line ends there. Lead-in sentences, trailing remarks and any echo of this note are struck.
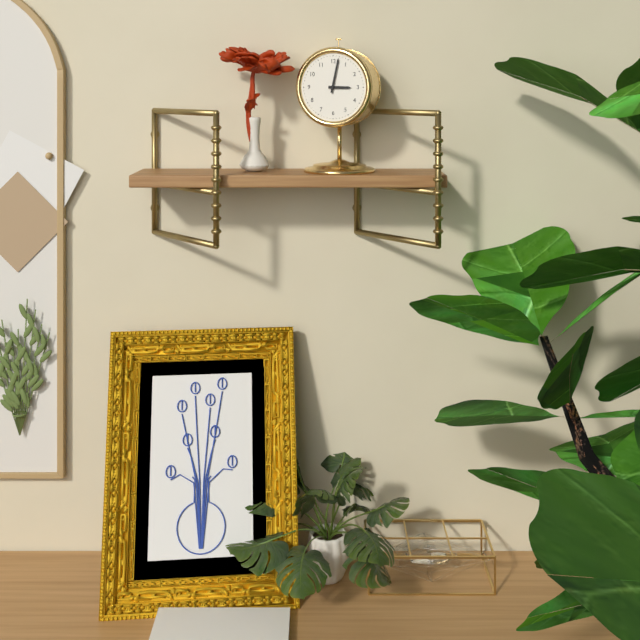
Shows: 3:02
